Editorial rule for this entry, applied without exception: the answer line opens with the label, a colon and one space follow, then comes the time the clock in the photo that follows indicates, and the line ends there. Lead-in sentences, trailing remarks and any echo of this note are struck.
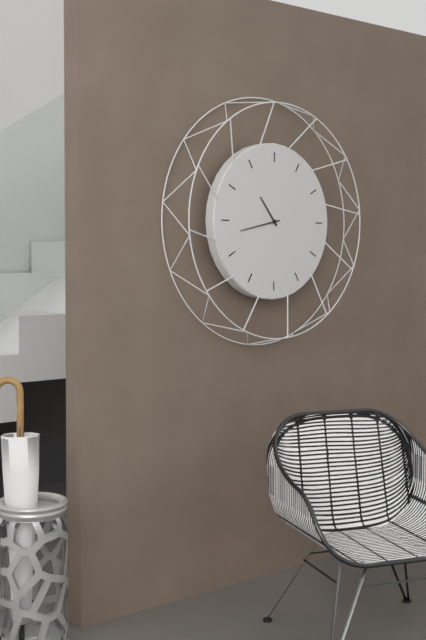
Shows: 10:43
